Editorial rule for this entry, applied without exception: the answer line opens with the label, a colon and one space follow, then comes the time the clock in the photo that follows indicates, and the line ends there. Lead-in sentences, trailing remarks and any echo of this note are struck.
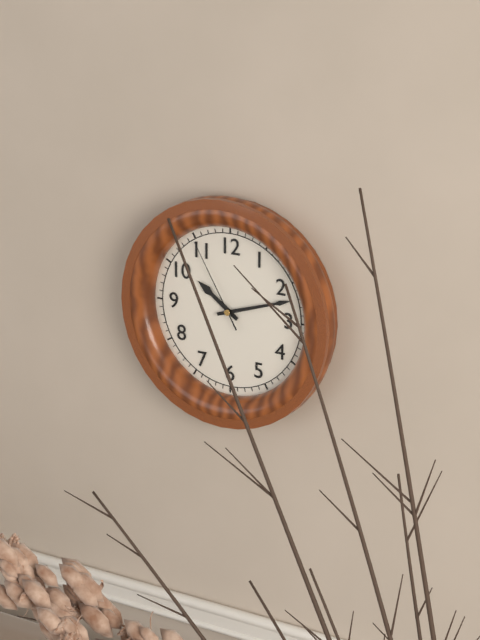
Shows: 10:12:55
